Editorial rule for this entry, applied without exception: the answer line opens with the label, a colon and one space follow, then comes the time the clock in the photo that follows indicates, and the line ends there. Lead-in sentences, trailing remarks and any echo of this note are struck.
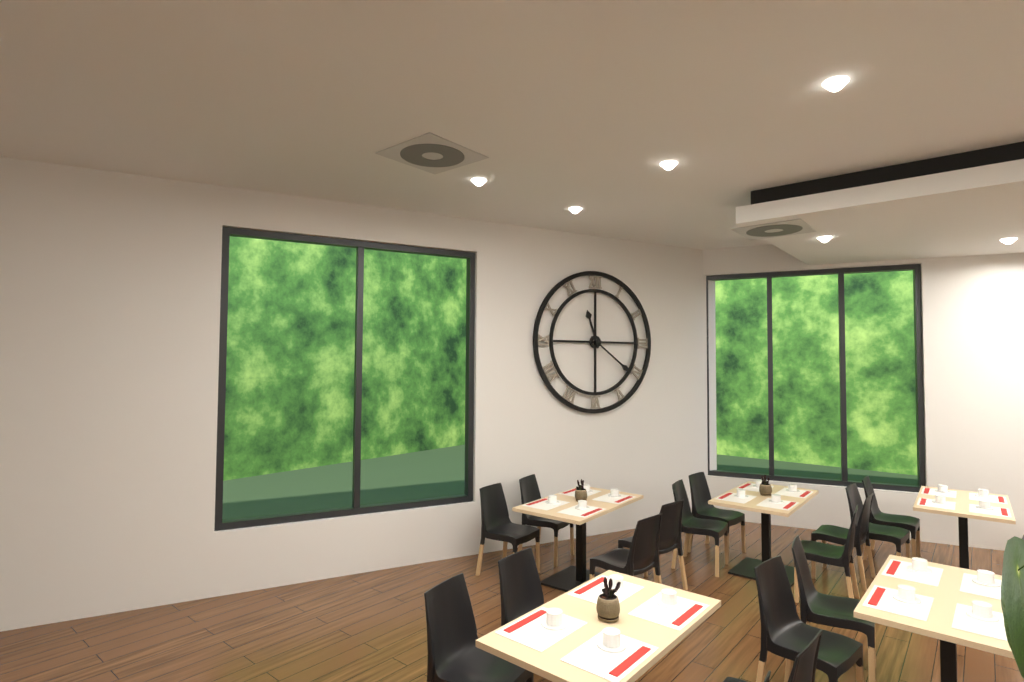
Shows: 11:21
